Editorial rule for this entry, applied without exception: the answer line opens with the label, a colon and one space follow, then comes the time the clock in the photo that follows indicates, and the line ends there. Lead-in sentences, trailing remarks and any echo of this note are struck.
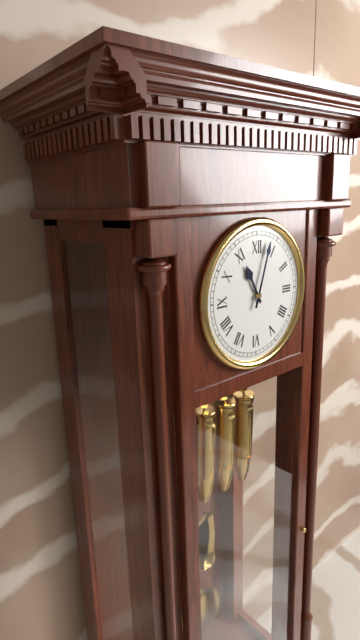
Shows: 11:03
